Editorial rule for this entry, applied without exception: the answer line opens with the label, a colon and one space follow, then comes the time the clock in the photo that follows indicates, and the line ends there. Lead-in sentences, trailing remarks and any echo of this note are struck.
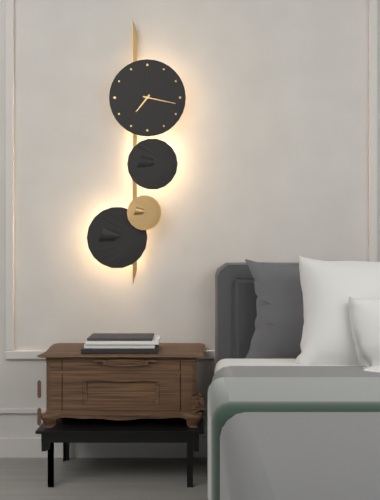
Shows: 7:17
